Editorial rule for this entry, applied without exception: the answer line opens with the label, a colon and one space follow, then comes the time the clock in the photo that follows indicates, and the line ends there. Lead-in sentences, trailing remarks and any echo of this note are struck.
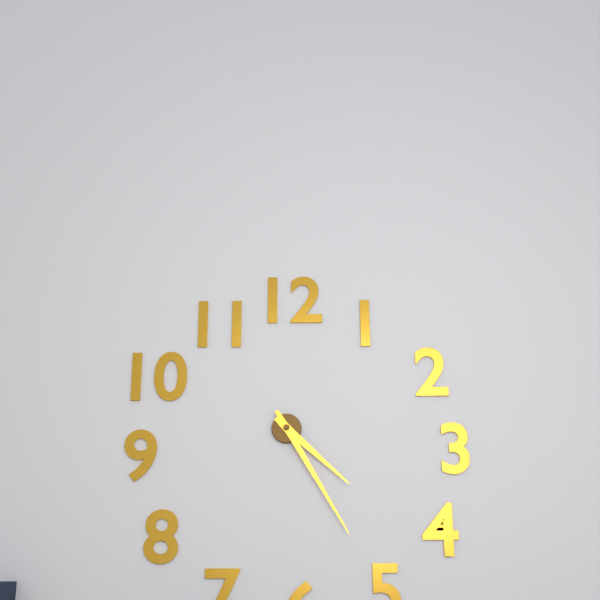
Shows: 4:25
